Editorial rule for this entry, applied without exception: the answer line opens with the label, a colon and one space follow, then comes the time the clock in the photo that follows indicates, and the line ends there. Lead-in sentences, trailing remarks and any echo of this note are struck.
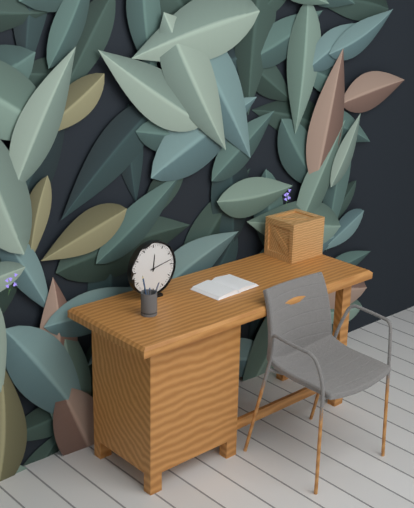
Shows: 12:13
